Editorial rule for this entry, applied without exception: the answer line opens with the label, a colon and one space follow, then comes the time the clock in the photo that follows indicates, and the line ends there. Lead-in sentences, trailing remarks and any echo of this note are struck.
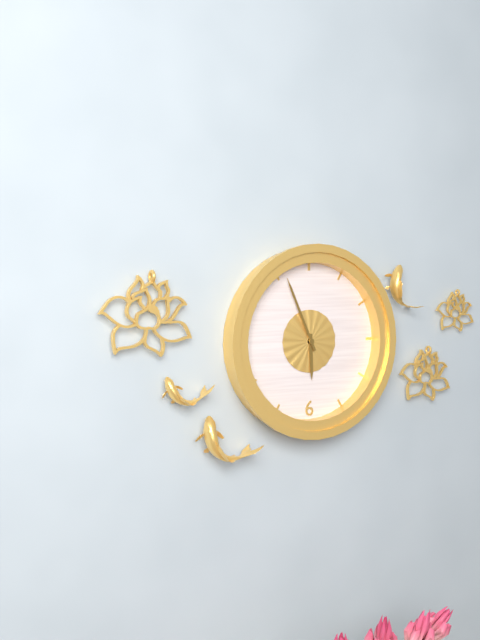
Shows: 5:56
